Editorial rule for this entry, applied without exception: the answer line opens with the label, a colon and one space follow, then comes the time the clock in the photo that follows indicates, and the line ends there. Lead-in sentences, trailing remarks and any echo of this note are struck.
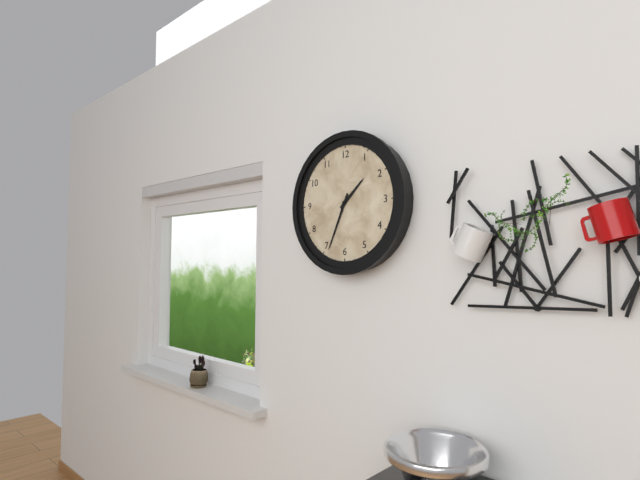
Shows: 1:34
